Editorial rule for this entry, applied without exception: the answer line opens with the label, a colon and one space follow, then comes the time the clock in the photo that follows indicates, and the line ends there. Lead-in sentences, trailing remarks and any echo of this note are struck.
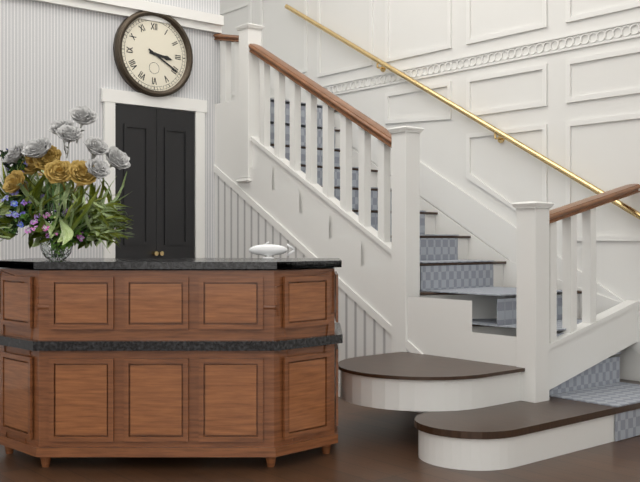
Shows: 3:20
